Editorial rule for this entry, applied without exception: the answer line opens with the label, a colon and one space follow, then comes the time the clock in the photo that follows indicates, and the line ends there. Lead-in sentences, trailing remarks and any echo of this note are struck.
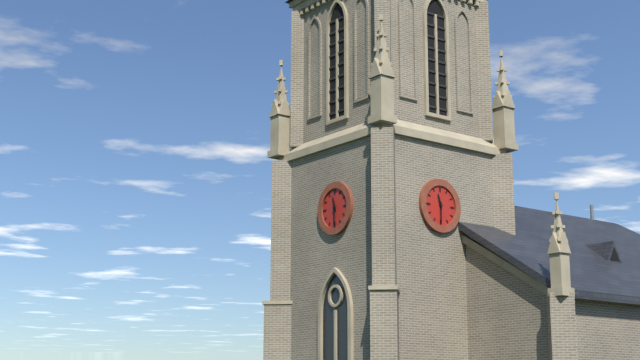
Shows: 11:30
